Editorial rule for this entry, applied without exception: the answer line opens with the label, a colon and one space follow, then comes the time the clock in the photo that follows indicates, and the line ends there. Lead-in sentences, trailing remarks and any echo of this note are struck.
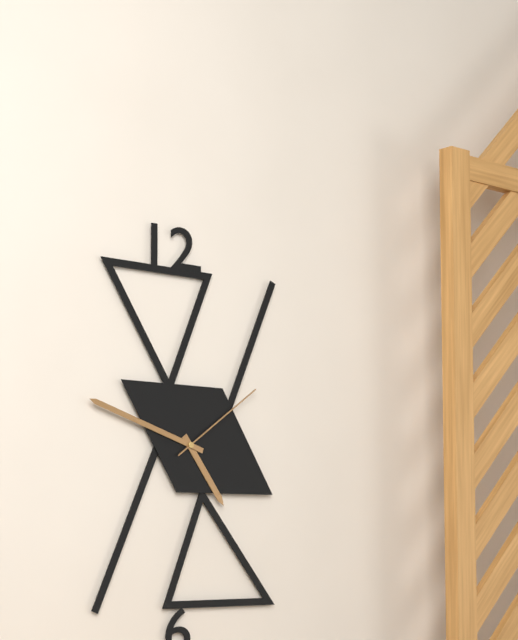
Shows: 4:48:09
